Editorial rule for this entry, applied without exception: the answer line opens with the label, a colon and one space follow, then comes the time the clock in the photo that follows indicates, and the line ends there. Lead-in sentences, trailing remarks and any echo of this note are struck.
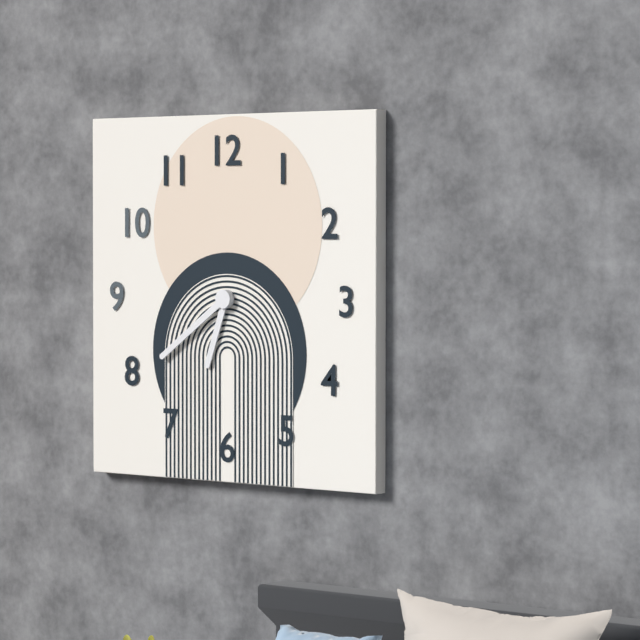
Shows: 6:39
